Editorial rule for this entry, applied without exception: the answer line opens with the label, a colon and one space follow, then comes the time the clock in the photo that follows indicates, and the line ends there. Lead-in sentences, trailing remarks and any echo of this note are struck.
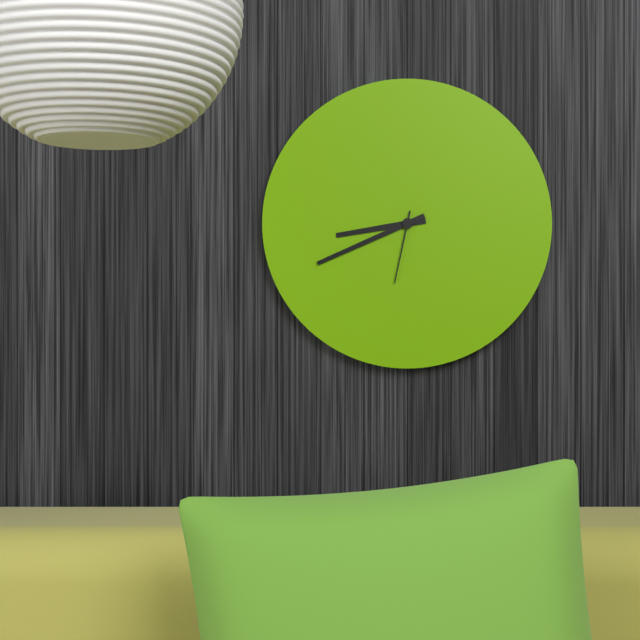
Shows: 8:41:32
